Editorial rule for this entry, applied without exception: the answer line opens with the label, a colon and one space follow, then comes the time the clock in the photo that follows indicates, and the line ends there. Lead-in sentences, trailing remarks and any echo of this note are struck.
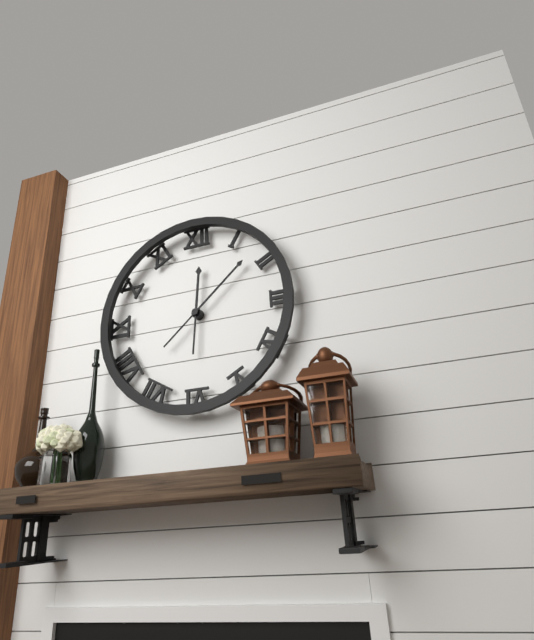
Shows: 12:08
